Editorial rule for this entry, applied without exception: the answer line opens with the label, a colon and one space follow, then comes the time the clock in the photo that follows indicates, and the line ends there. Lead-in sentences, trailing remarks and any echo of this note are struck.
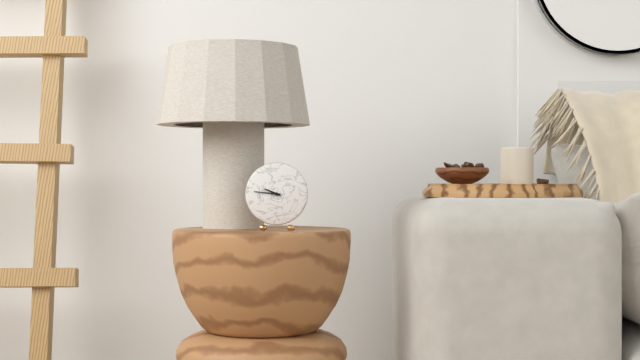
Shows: 9:46
